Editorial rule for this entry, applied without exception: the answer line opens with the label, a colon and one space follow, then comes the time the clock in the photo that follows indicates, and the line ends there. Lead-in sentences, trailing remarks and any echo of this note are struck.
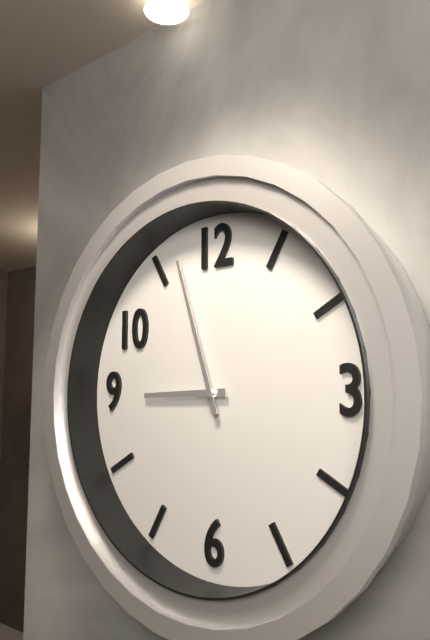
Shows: 8:57
